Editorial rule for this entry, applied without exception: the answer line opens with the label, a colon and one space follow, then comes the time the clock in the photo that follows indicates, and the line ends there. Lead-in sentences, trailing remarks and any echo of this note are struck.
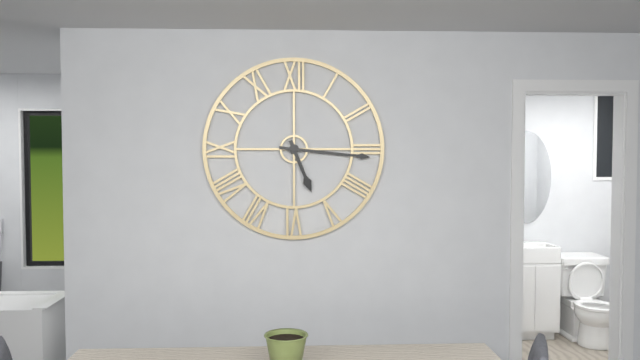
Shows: 5:16
